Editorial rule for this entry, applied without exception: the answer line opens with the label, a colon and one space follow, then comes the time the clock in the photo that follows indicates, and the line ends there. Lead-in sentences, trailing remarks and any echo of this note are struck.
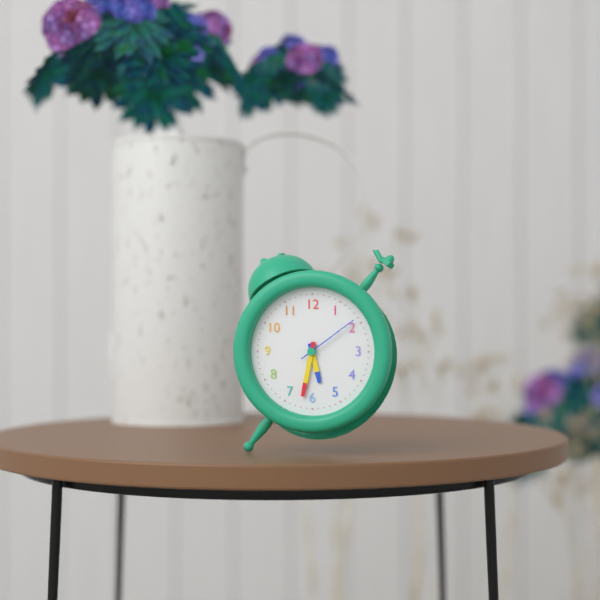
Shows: 5:32:09
